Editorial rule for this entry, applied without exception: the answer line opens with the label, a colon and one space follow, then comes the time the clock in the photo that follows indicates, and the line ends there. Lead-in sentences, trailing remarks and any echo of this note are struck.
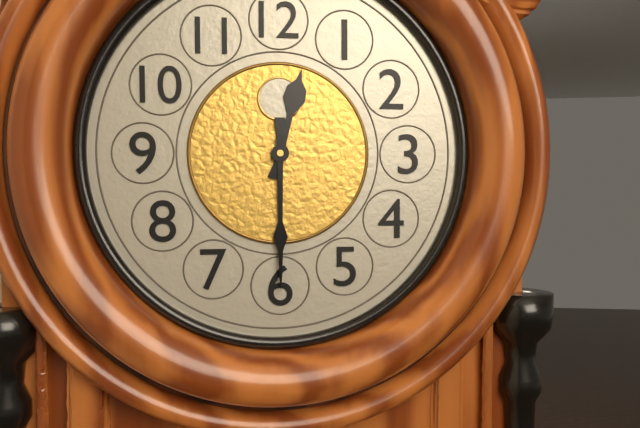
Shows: 12:30
